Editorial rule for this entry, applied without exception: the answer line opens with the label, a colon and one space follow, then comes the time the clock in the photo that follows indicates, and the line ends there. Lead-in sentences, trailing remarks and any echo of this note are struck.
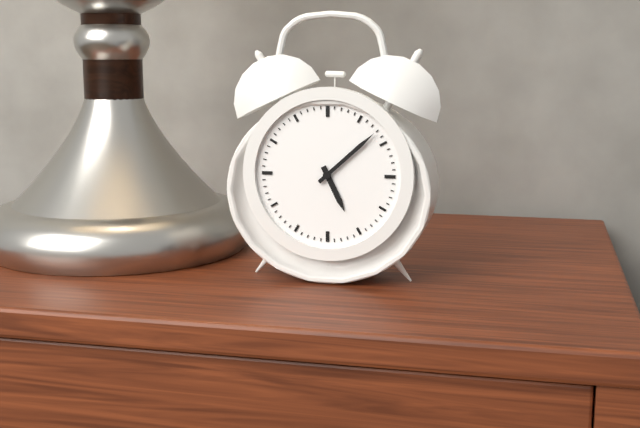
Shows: 5:08
